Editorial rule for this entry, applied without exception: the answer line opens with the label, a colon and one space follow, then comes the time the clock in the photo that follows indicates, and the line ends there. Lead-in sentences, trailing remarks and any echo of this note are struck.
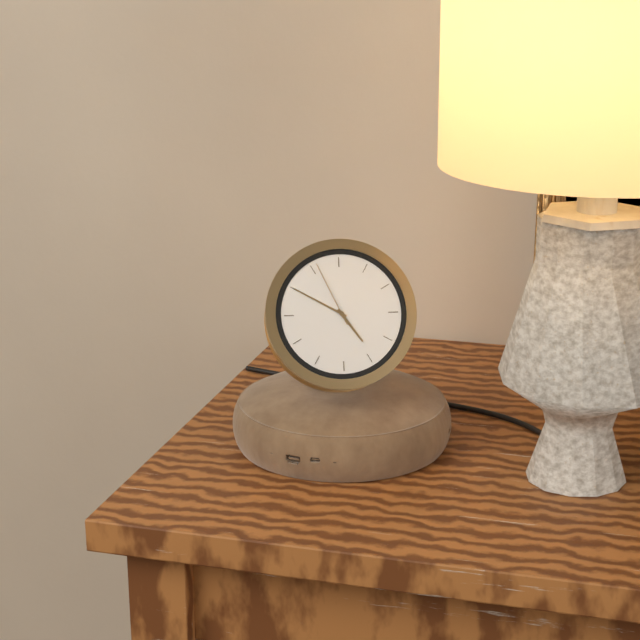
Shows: 4:50:56
